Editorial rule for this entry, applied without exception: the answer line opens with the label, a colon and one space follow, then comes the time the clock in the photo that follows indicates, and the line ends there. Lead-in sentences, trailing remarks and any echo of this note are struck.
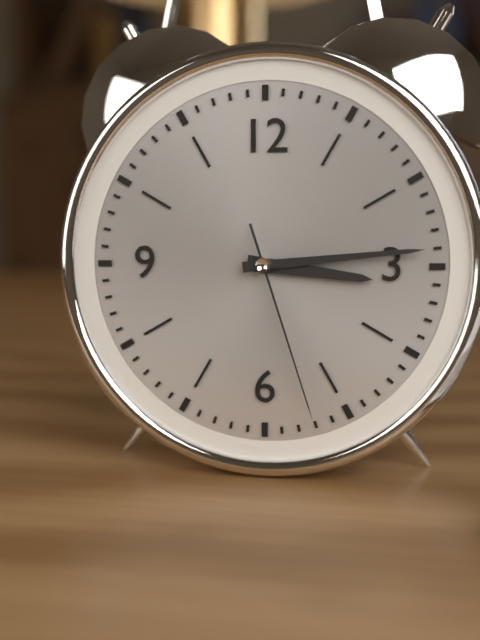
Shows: 3:14:27
